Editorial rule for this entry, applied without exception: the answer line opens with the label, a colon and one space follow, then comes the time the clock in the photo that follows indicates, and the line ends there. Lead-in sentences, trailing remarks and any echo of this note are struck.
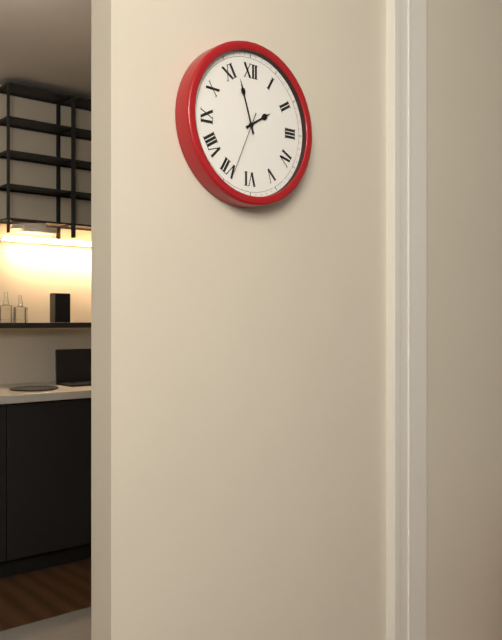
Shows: 1:57:34
